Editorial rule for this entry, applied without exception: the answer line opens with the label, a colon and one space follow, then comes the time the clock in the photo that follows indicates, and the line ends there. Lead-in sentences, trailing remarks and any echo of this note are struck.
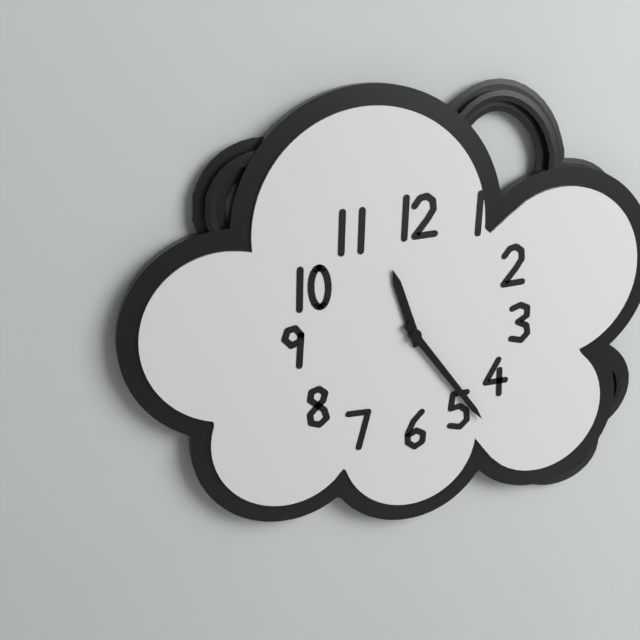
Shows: 11:24
